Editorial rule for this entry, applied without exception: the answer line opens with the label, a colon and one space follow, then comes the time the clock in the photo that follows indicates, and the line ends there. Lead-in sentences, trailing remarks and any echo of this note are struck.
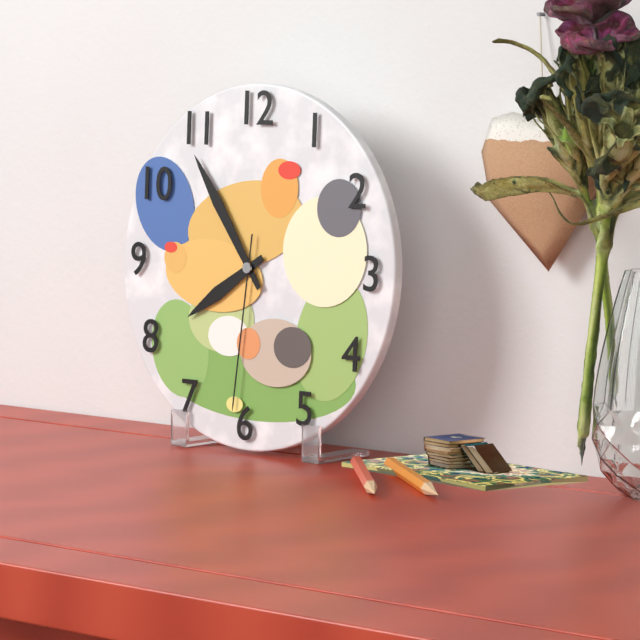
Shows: 7:54:31
